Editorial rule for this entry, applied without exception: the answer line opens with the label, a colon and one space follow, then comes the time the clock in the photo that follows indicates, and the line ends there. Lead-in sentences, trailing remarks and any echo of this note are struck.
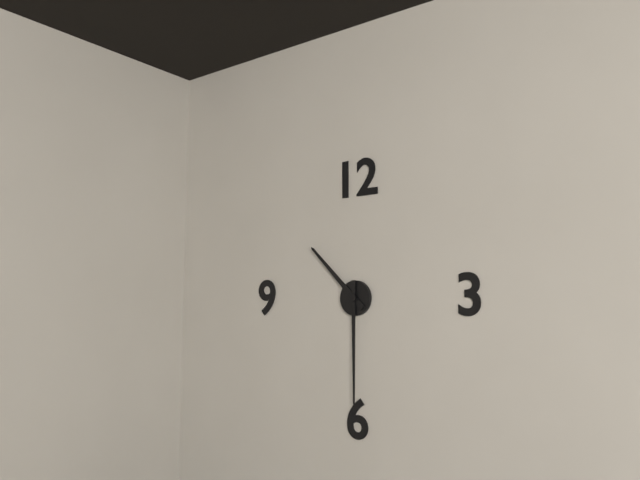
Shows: 10:30
